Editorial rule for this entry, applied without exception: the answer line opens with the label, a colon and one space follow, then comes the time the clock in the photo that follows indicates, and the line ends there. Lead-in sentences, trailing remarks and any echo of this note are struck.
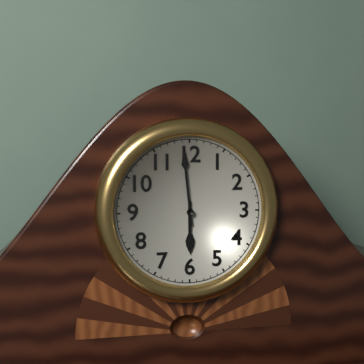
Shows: 5:59
